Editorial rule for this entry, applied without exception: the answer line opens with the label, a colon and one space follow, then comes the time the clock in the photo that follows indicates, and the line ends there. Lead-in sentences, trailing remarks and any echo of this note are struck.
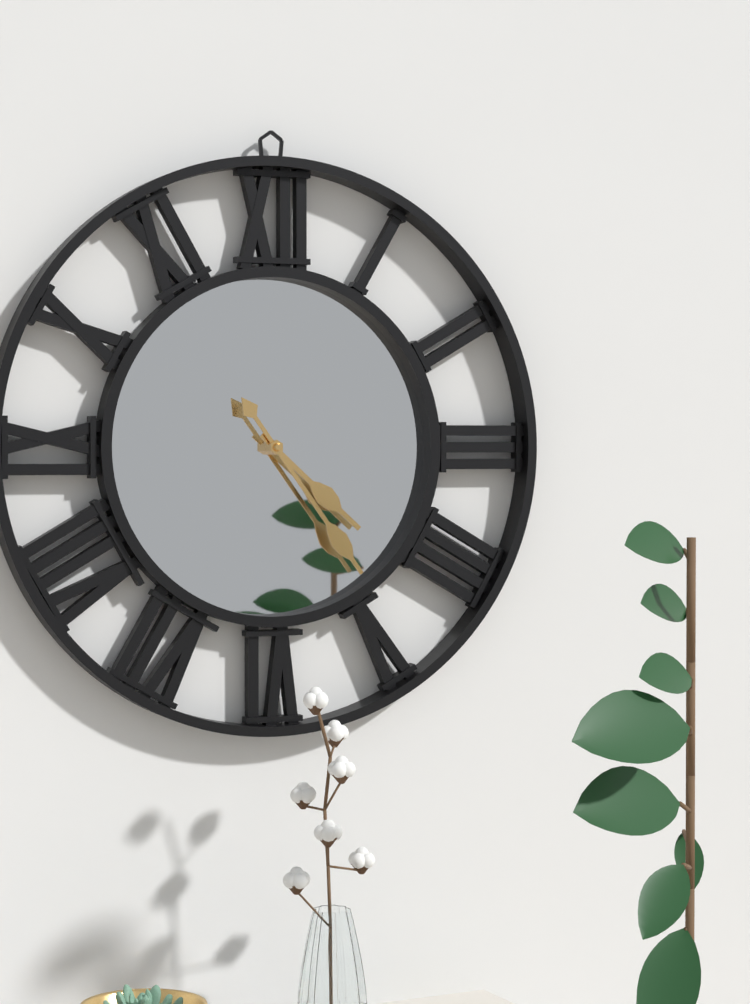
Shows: 4:24
